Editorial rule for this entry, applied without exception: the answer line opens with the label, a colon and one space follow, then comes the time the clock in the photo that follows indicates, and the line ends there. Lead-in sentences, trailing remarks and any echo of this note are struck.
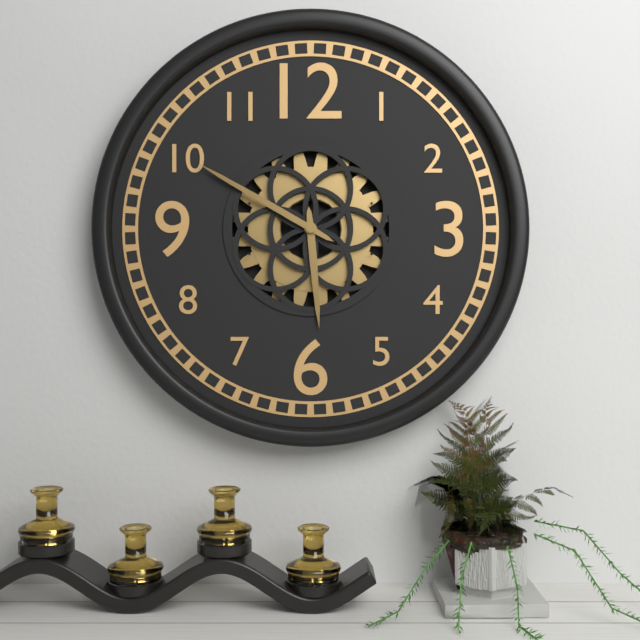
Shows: 5:50
